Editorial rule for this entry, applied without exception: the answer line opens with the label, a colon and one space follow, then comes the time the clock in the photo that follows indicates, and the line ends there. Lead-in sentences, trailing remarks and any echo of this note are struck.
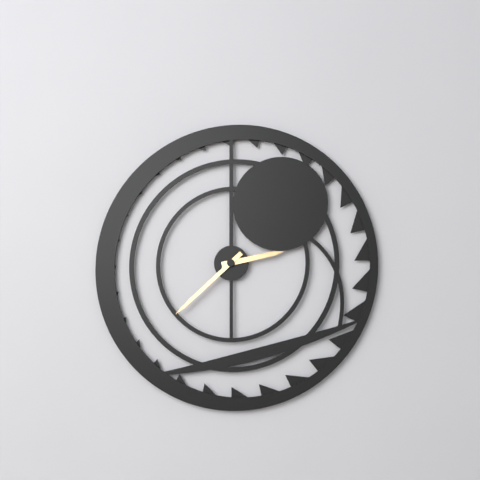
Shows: 2:38
